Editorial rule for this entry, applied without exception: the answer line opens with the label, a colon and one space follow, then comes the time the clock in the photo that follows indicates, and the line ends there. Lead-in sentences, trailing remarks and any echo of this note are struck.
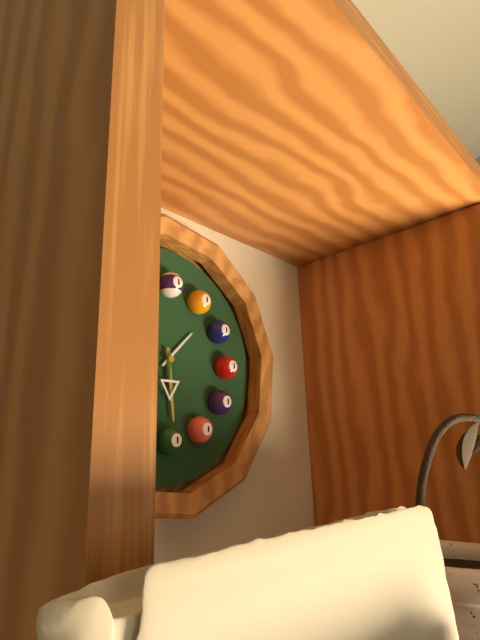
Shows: 1:29:30
